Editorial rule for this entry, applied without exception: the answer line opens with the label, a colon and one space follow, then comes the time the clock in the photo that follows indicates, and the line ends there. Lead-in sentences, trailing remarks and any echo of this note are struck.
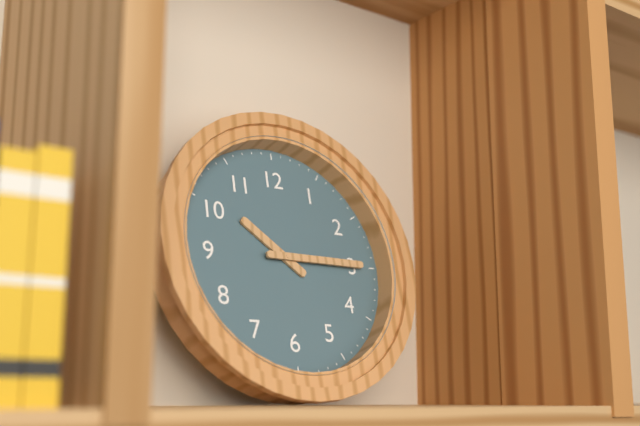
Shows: 10:15
